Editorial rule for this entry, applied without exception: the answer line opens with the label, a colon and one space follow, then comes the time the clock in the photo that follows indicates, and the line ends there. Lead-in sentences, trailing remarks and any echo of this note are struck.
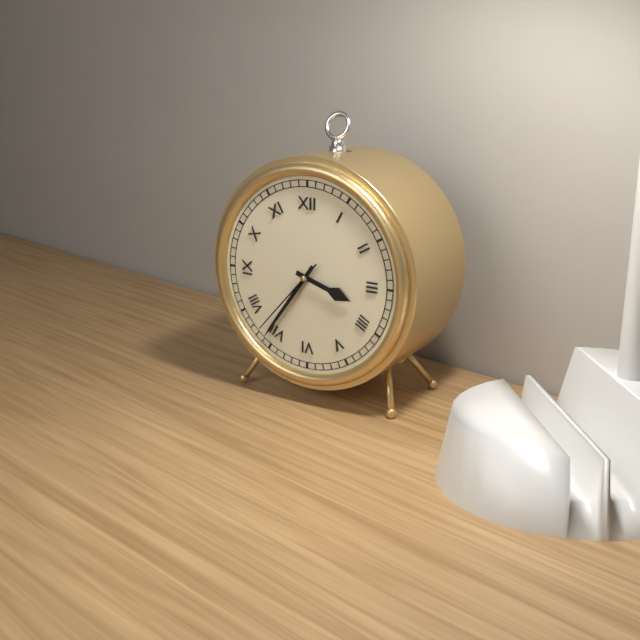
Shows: 3:36:37
